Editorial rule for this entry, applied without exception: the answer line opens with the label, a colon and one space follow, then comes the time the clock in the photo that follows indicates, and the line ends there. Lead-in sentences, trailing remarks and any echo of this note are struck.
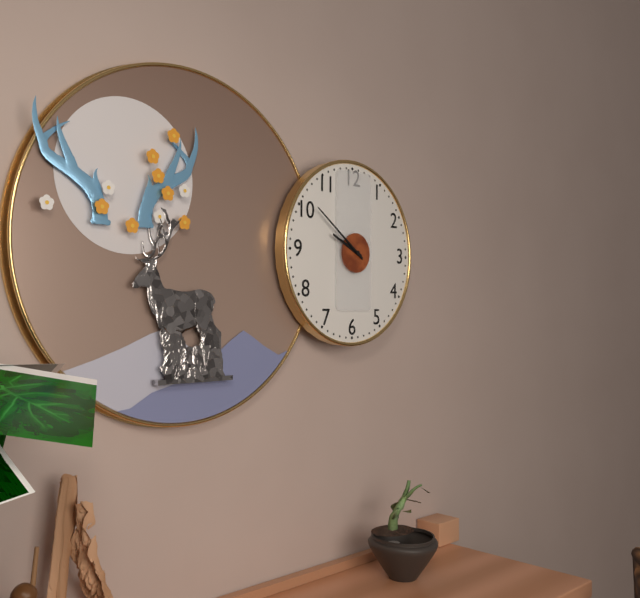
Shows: 9:51
